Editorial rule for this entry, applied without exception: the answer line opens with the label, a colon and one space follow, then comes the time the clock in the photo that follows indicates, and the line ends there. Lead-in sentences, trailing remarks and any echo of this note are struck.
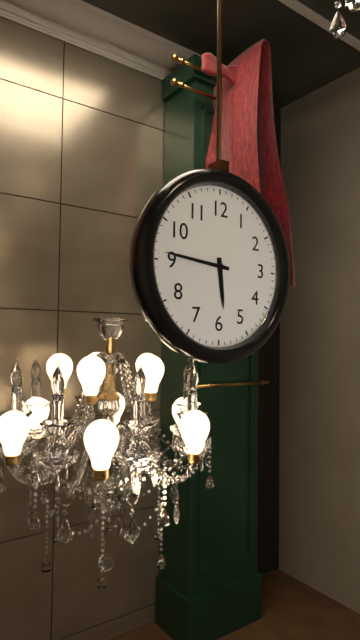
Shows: 5:46
